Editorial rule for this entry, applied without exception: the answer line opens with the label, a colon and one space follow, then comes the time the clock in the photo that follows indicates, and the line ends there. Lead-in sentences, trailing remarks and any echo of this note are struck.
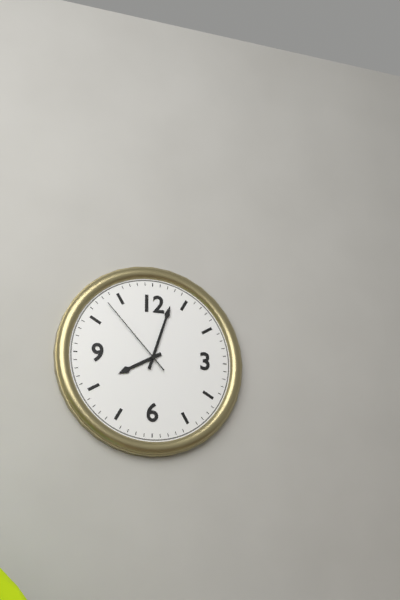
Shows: 8:03:53
